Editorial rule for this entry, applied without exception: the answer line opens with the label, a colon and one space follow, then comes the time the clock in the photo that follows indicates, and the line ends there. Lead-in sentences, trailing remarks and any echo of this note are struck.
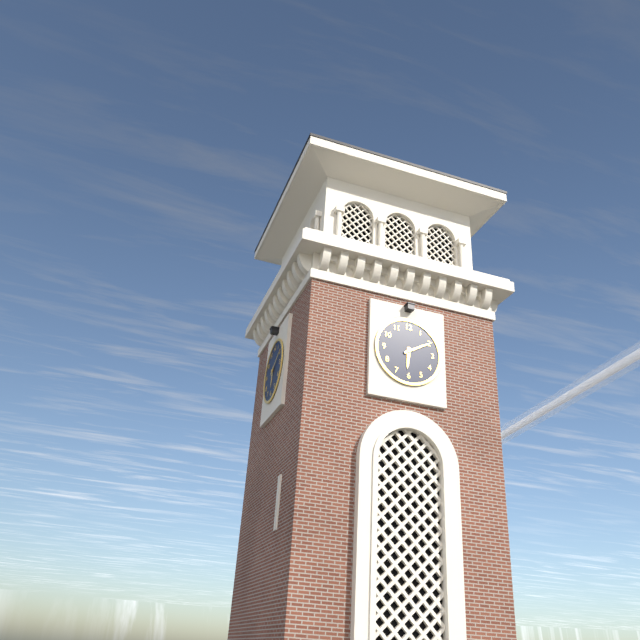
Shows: 6:10
